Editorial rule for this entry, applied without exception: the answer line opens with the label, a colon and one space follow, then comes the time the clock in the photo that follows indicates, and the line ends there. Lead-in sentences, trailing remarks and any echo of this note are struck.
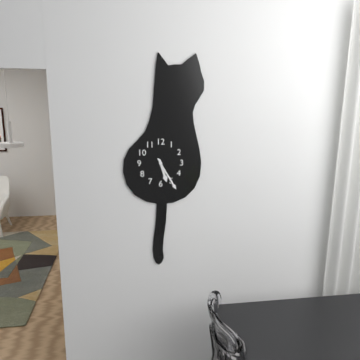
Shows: 5:25
